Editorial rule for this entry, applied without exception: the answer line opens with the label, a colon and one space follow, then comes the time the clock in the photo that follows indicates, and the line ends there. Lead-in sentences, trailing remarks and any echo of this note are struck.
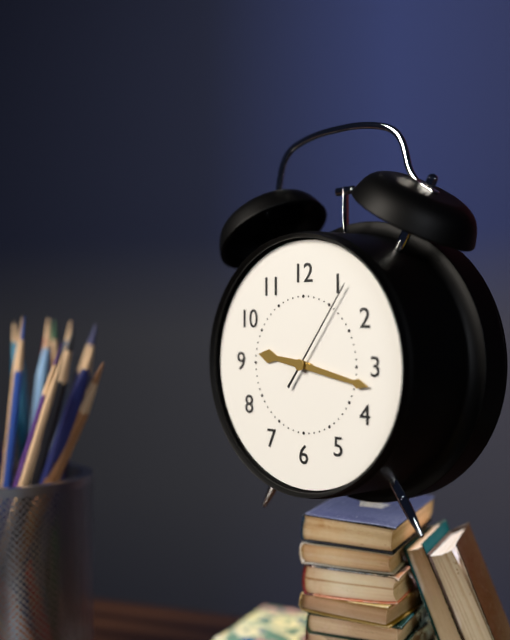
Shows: 9:17:06
